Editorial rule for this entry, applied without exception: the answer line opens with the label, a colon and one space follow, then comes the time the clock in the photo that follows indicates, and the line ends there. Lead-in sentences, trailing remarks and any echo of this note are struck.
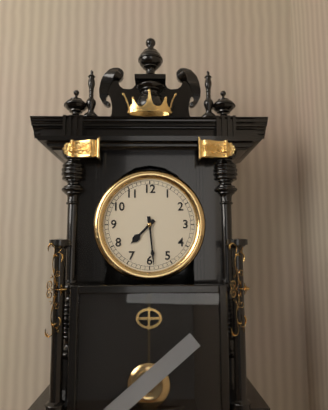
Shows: 7:29
